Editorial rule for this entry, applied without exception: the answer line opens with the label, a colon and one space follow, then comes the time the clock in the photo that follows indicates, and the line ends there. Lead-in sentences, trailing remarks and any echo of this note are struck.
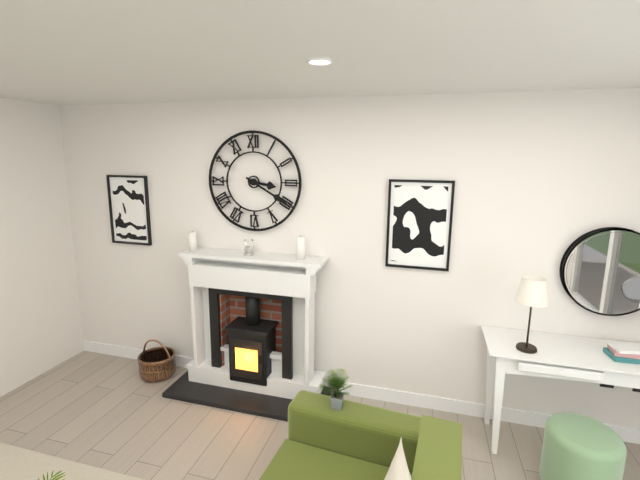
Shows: 3:20
